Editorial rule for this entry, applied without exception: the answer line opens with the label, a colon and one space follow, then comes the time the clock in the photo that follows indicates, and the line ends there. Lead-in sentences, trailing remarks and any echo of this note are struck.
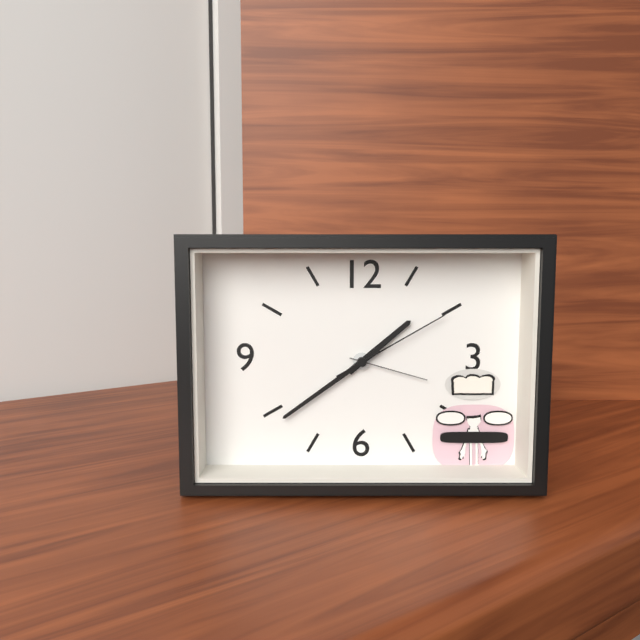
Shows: 1:39:10
